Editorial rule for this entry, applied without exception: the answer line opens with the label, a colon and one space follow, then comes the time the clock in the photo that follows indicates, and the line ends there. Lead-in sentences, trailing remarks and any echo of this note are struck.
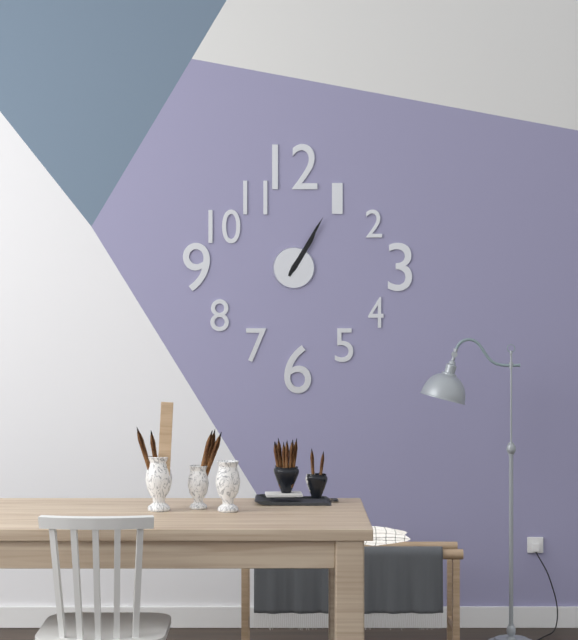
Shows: 1:05
